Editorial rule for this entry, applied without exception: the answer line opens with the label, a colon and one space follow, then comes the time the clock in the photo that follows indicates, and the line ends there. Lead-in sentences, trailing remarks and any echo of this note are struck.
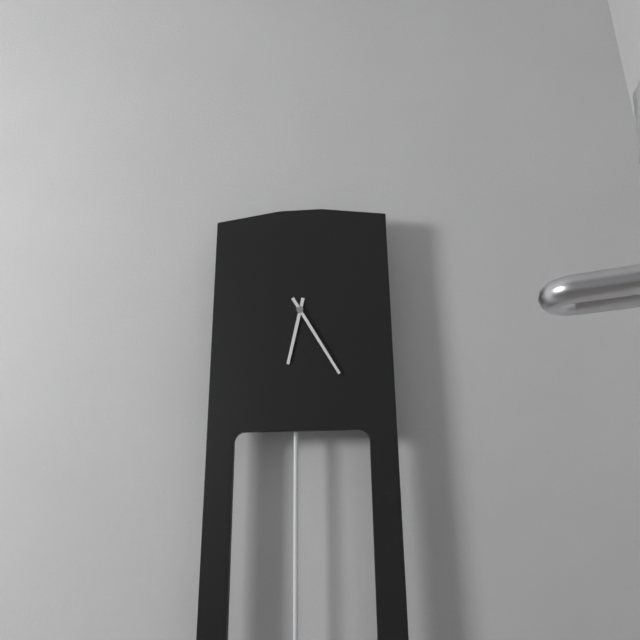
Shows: 6:25
